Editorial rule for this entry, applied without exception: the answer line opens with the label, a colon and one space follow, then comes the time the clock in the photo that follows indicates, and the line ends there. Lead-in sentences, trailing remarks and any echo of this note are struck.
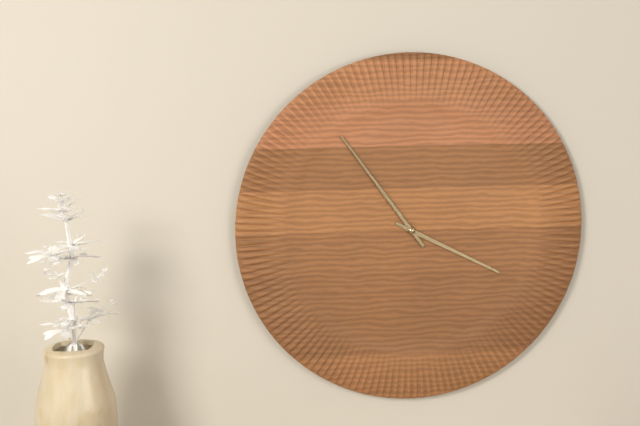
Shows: 3:54
